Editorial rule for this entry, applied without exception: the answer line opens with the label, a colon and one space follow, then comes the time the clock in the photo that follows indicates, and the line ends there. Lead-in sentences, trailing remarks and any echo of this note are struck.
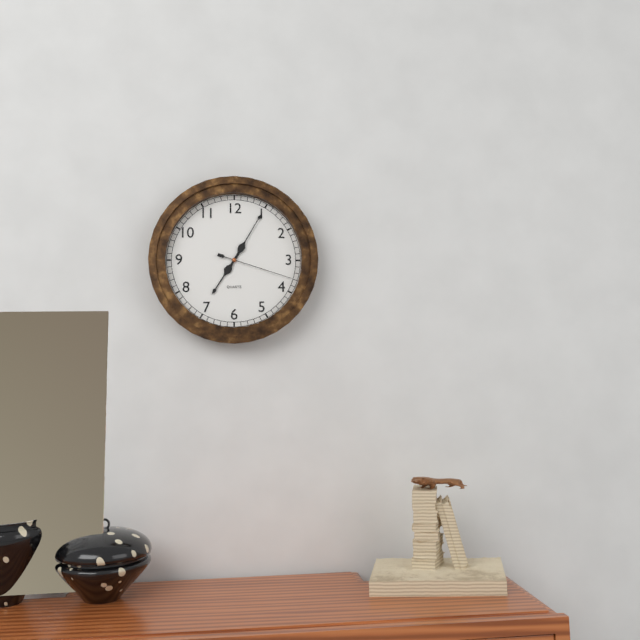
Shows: 7:05:18
